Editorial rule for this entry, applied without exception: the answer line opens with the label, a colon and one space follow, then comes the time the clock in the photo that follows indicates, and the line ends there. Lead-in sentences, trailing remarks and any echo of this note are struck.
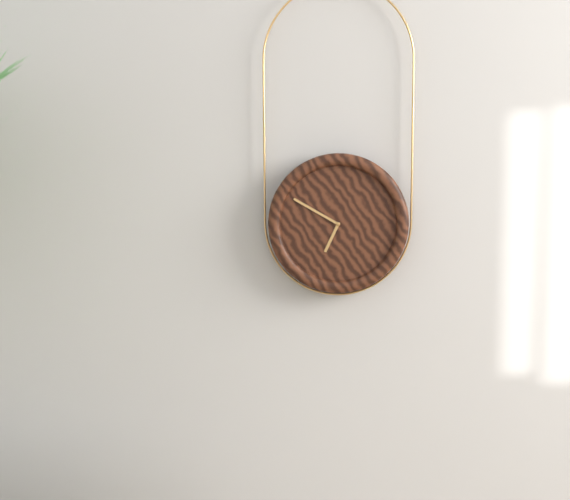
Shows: 6:50
